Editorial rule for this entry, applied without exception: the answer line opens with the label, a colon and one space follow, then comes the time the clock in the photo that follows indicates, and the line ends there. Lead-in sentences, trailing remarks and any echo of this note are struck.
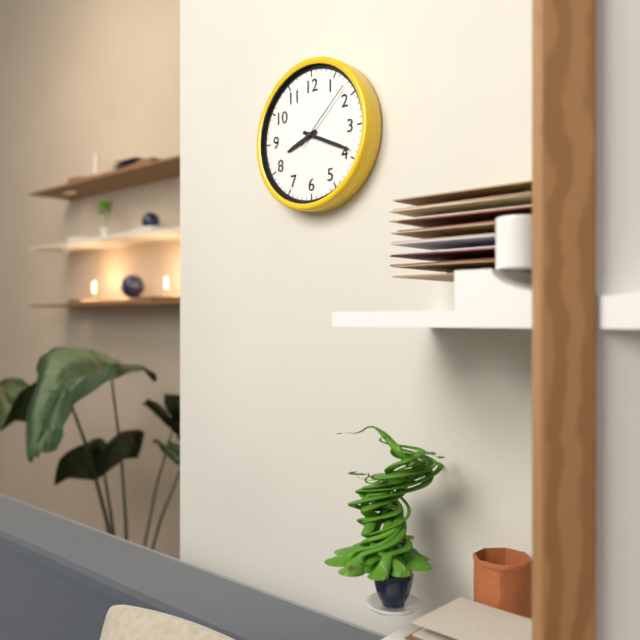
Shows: 8:19:08
